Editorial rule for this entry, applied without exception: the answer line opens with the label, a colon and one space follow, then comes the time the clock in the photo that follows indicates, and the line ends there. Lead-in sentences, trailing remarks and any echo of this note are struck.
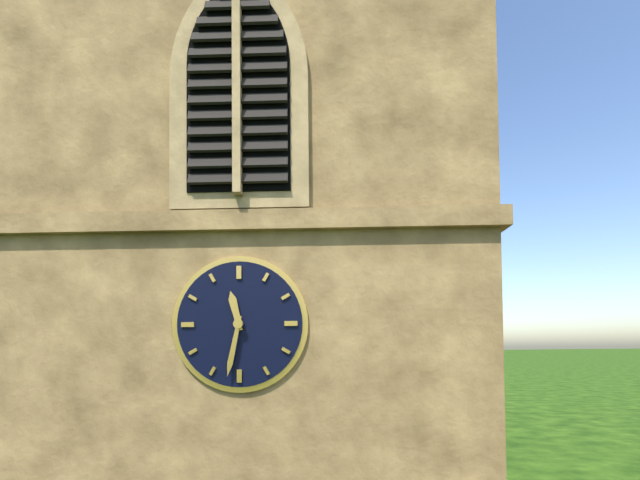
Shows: 11:32
